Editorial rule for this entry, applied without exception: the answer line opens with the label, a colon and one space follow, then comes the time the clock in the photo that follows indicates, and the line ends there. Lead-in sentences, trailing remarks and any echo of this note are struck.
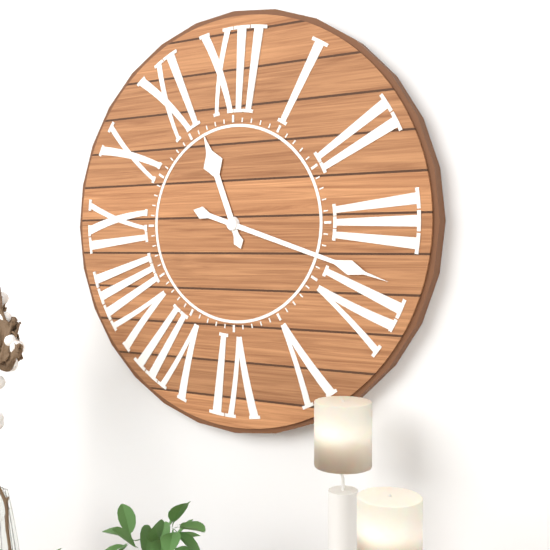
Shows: 11:18
